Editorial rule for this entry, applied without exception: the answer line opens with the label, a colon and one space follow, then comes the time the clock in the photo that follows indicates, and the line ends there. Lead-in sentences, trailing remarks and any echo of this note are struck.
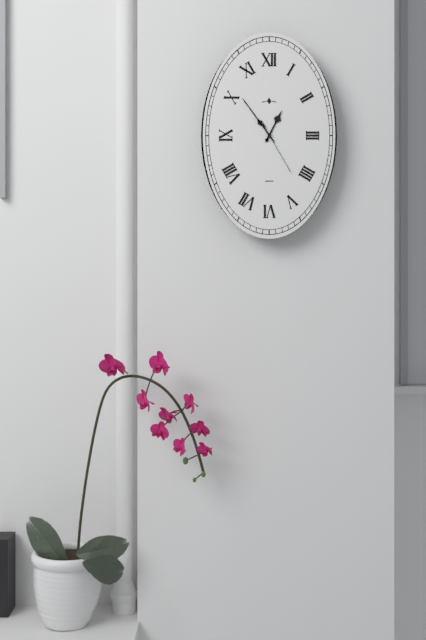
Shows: 12:54:25
